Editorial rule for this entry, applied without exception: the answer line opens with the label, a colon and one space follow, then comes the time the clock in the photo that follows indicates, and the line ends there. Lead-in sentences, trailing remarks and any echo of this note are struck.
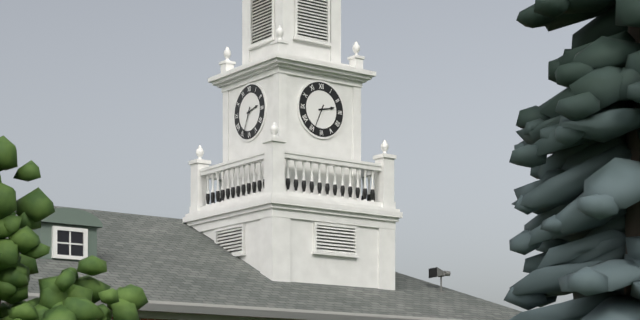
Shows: 2:34
